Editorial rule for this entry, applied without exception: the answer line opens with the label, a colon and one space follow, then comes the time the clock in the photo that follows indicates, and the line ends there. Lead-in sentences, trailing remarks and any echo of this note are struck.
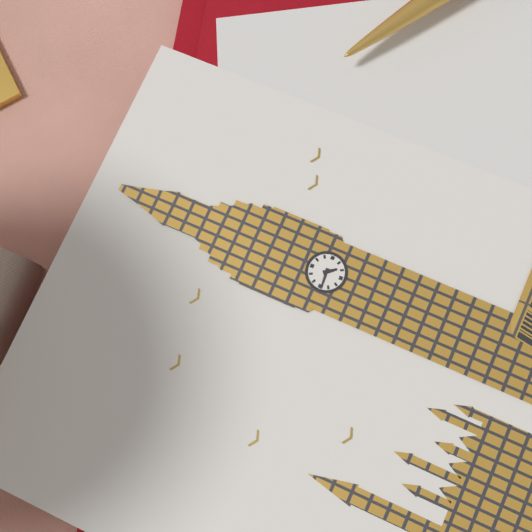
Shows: 4:44
